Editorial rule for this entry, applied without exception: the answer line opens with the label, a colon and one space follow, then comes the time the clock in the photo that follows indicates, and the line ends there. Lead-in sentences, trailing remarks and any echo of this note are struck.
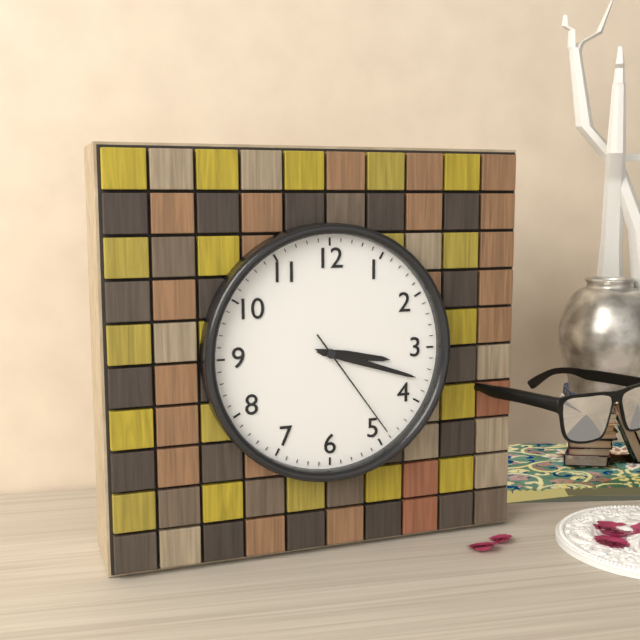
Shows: 3:18:24
